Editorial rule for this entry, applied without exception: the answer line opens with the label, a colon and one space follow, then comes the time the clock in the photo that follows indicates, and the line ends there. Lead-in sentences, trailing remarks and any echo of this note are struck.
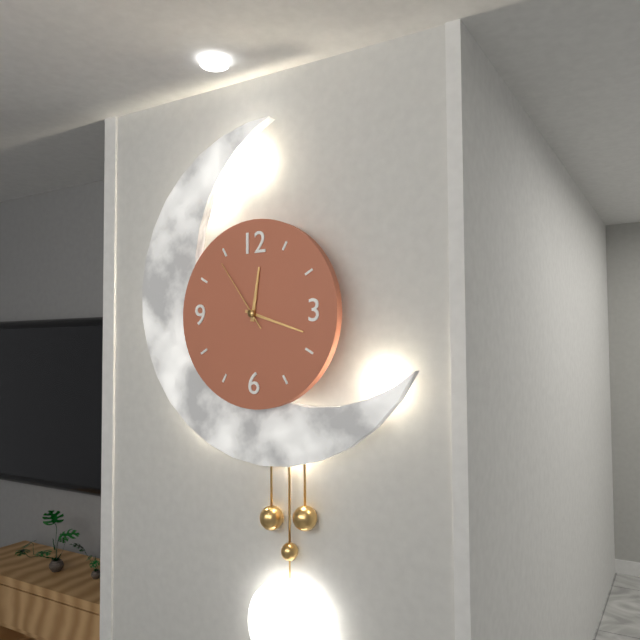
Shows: 12:18:54
